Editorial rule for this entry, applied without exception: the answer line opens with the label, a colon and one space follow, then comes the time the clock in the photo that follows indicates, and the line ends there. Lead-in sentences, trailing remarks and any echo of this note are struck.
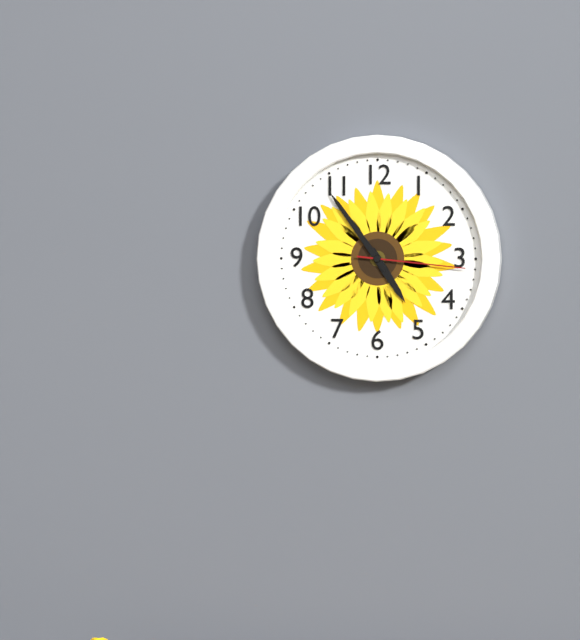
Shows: 4:54:16
